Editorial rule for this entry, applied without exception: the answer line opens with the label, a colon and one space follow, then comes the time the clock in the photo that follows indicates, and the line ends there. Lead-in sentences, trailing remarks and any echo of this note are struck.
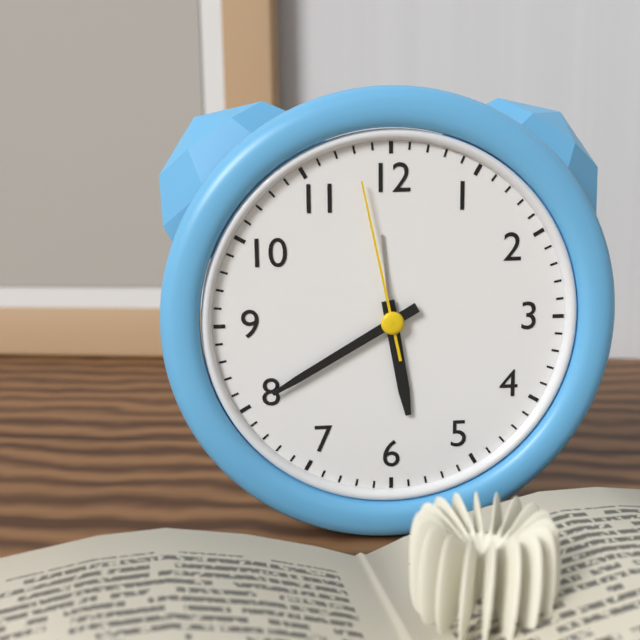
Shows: 5:40:58
